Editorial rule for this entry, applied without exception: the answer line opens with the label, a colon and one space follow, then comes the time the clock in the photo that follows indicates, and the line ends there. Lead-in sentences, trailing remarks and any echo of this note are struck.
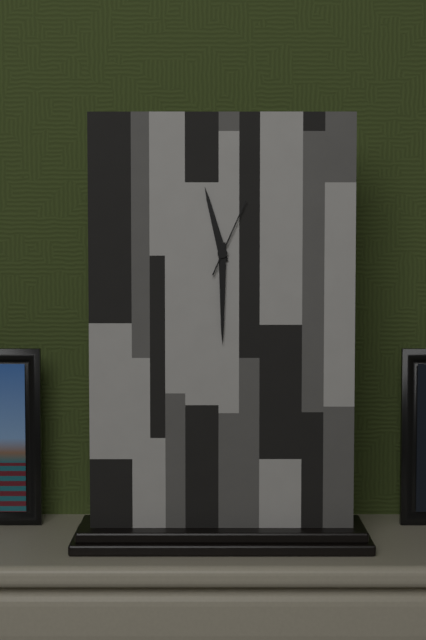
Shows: 11:30:04
